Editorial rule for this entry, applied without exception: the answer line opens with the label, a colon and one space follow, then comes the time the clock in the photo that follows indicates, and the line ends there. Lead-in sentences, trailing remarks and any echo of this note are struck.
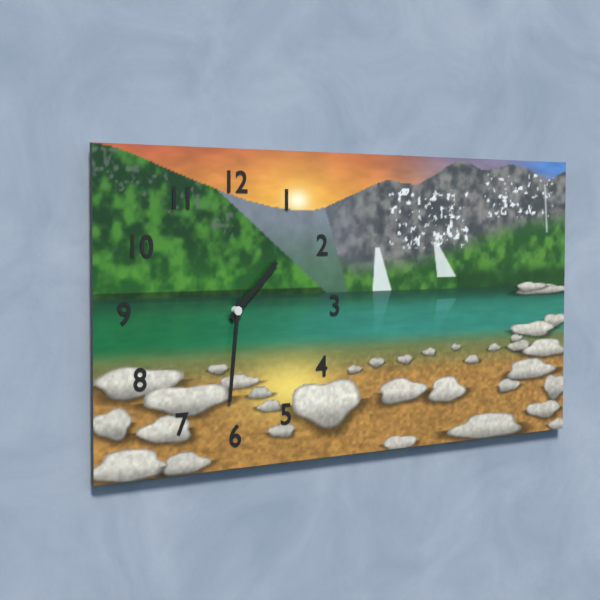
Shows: 1:31
